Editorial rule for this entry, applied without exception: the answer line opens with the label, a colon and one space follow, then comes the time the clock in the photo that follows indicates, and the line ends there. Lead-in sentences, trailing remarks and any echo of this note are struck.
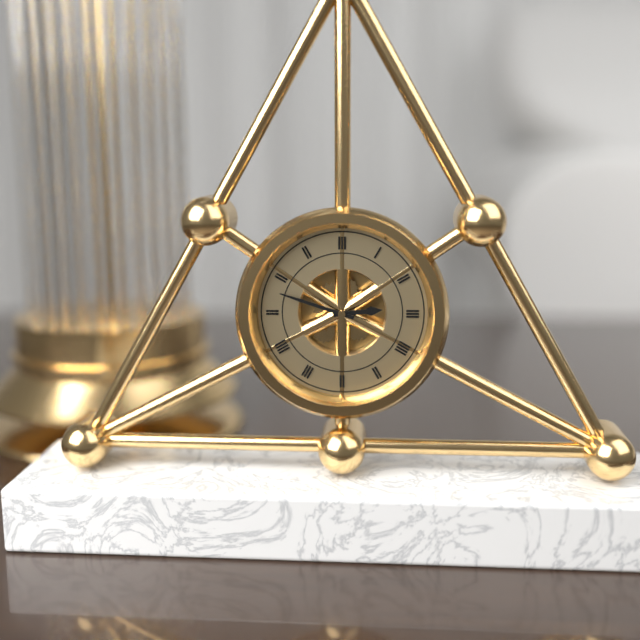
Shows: 2:48
